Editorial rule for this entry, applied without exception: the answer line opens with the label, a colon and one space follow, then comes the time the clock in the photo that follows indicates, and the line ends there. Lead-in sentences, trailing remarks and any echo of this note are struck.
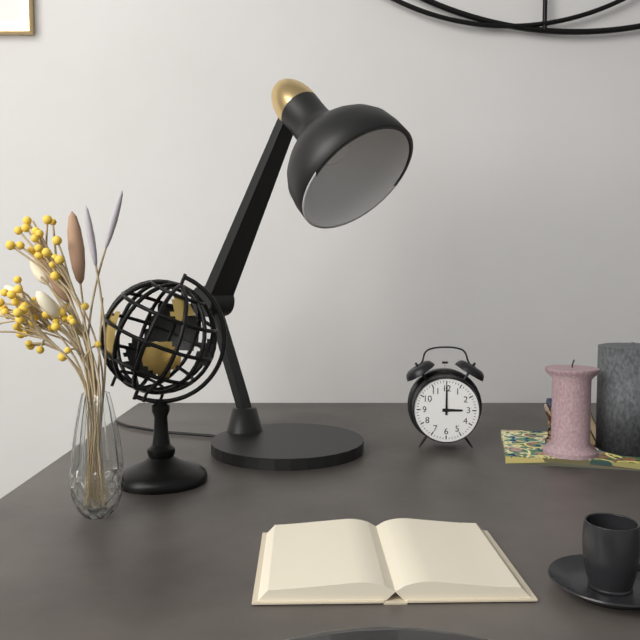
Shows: 3:00
